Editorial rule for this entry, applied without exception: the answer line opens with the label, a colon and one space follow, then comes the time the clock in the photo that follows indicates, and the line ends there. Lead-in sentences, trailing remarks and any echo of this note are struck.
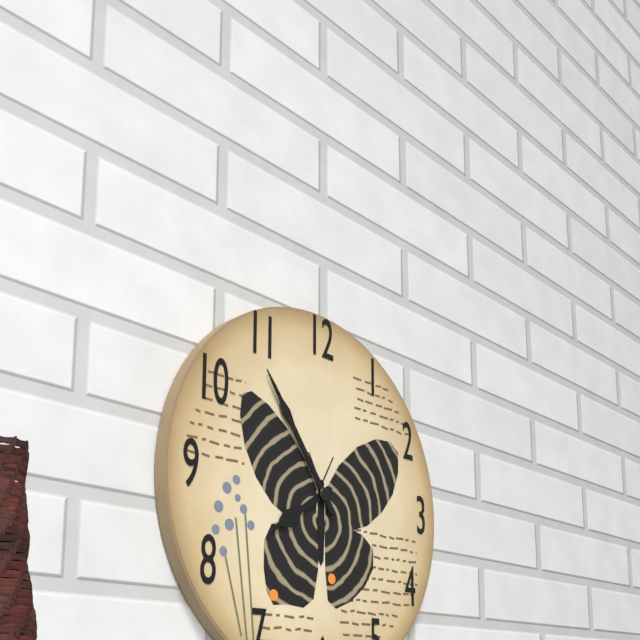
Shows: 7:54
